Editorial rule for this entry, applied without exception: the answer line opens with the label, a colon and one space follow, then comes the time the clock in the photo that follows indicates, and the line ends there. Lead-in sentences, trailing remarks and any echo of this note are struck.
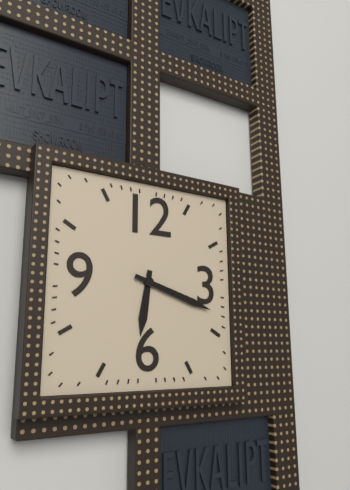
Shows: 6:18
